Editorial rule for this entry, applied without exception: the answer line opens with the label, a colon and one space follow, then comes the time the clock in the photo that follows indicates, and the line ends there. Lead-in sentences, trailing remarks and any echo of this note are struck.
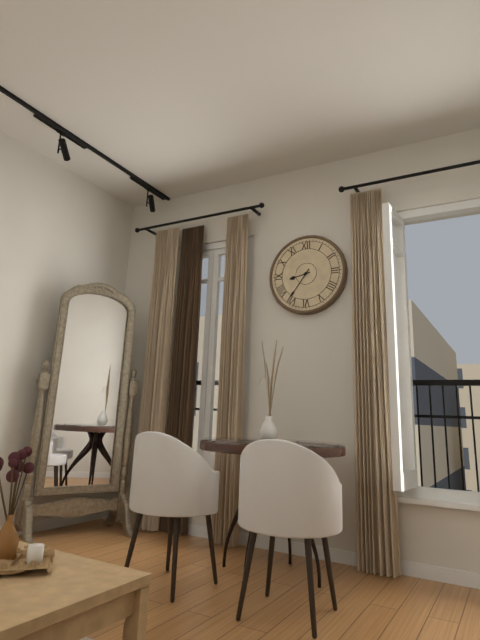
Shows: 8:36
